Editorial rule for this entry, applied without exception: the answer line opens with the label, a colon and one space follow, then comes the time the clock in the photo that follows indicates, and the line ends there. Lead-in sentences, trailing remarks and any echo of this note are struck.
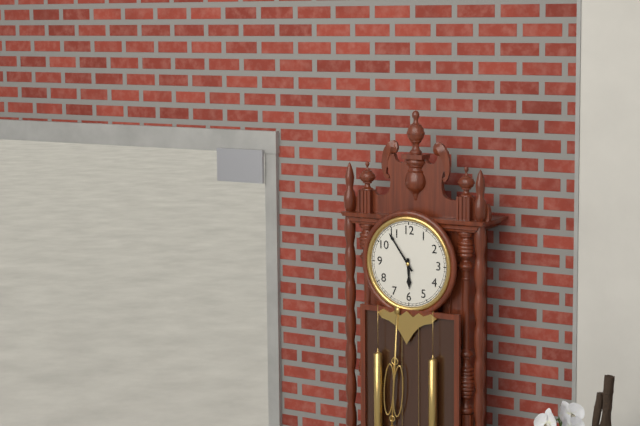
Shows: 5:54
